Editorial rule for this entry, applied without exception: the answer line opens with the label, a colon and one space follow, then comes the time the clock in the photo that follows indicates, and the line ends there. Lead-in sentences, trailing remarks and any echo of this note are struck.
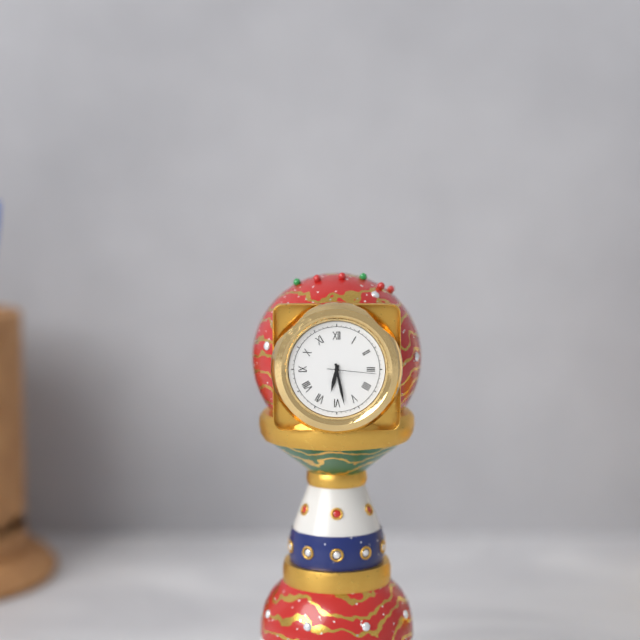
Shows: 6:28
